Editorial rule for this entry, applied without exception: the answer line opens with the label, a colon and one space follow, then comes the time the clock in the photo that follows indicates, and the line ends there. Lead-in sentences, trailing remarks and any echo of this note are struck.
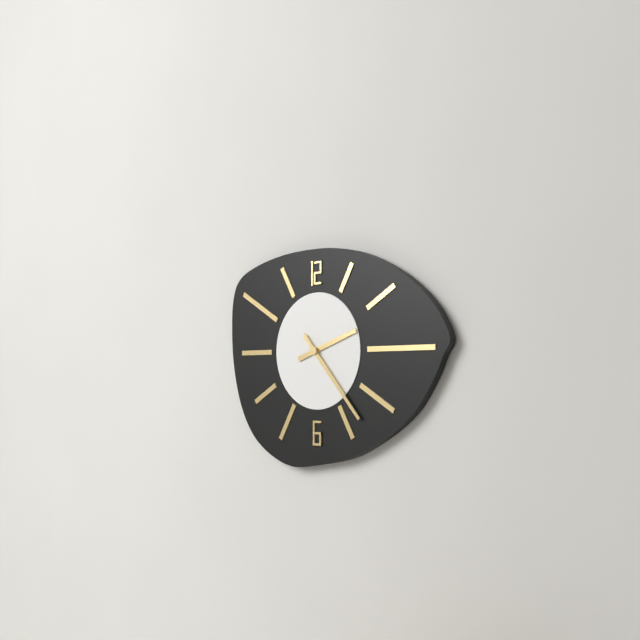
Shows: 2:23
